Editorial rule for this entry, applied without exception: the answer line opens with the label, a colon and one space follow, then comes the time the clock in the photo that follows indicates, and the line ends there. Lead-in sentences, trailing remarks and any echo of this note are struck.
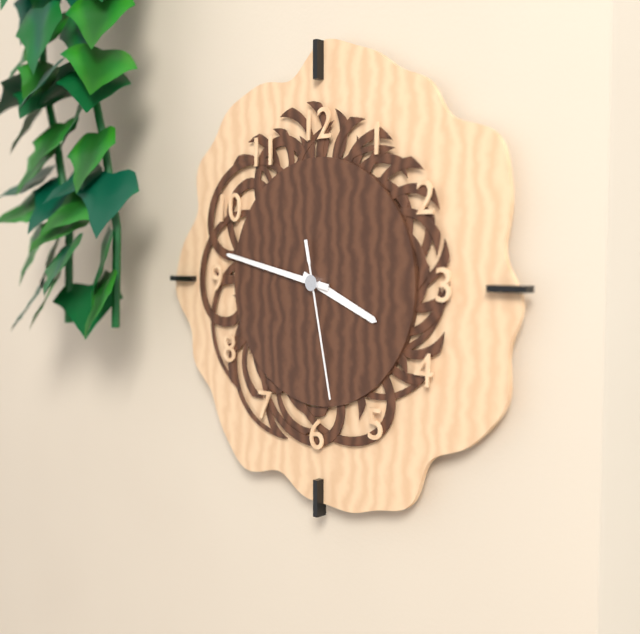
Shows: 3:47:28
